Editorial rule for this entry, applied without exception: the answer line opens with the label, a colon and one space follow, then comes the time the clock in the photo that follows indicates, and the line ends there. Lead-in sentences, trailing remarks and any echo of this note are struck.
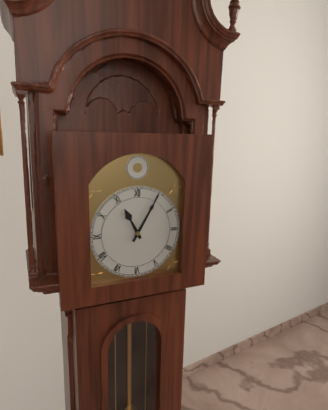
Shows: 11:05
